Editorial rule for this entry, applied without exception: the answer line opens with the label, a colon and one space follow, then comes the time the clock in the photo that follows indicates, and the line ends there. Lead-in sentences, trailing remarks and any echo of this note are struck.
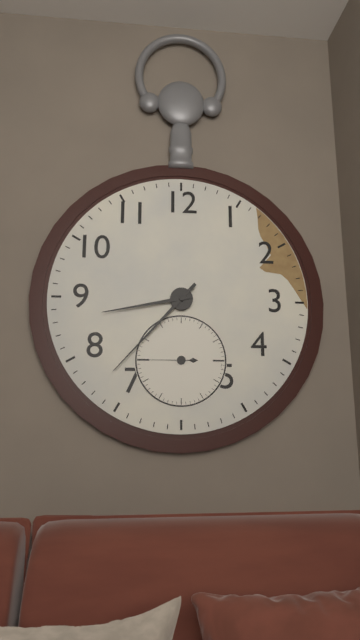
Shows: 8:37
